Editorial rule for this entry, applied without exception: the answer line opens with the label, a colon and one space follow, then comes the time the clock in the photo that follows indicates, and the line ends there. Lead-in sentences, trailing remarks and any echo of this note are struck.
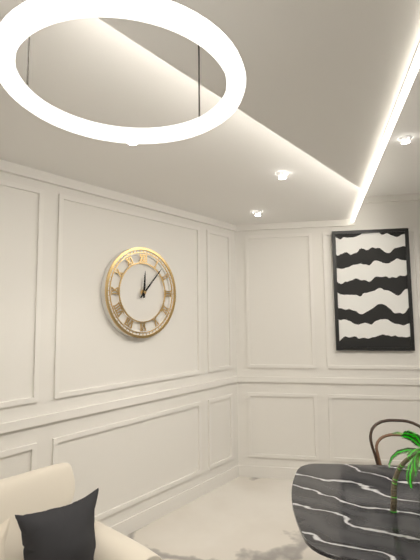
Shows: 12:07
